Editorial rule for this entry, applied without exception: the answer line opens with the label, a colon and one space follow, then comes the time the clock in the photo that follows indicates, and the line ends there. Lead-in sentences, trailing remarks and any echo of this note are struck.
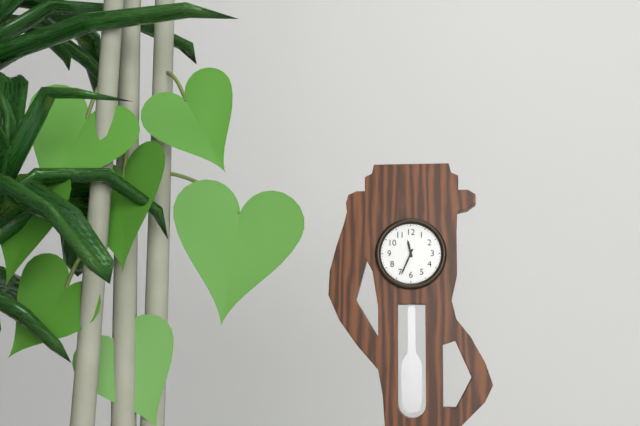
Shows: 11:34
